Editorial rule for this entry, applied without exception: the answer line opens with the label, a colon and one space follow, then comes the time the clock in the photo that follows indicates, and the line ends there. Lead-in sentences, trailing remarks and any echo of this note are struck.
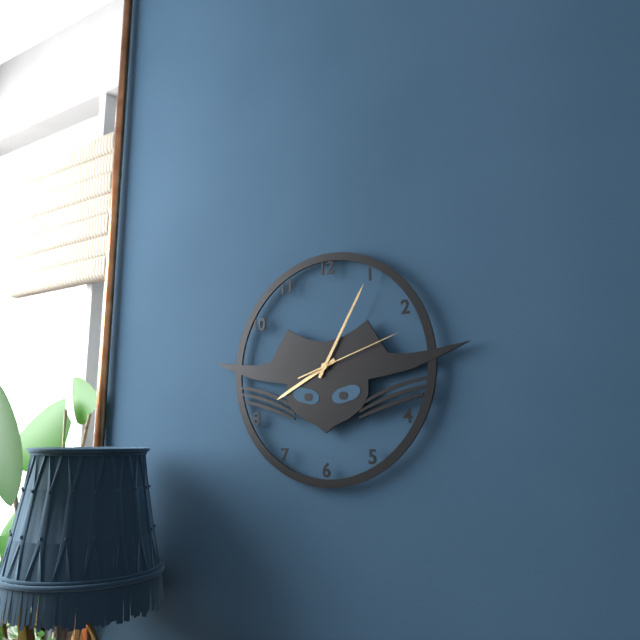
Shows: 8:05:12
